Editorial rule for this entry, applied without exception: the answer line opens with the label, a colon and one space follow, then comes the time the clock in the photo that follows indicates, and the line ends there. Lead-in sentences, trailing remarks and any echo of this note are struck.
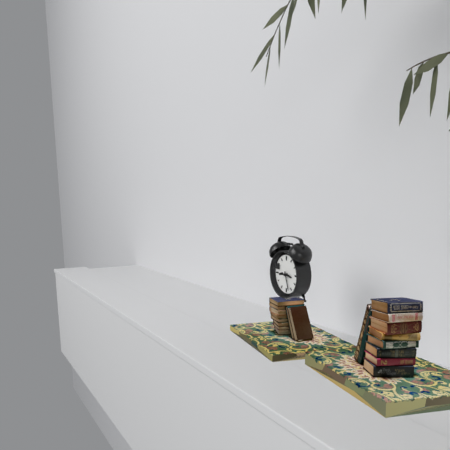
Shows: 3:27
